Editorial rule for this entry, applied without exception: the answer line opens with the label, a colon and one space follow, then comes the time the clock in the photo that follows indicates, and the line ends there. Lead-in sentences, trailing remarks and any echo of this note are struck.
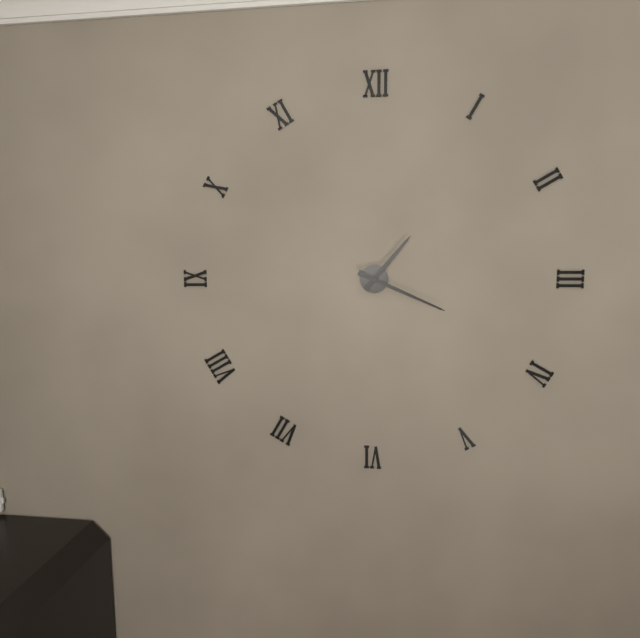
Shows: 1:19
